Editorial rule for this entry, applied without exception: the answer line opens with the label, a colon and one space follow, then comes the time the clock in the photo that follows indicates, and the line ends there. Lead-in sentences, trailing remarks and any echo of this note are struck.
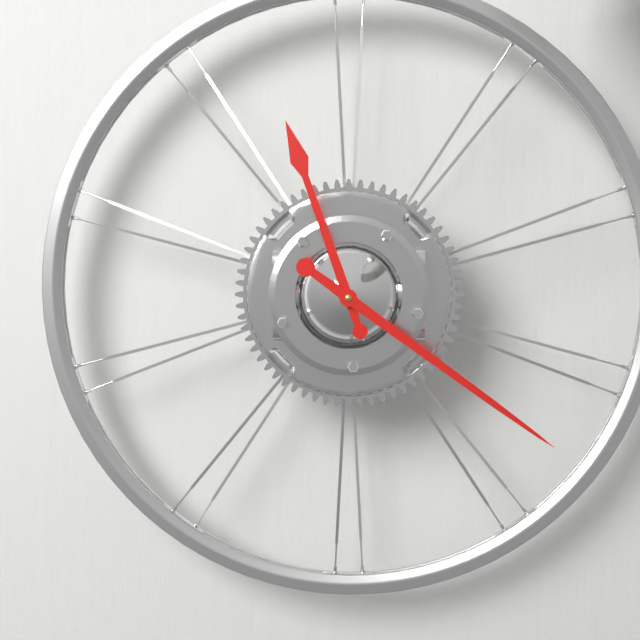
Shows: 11:21
